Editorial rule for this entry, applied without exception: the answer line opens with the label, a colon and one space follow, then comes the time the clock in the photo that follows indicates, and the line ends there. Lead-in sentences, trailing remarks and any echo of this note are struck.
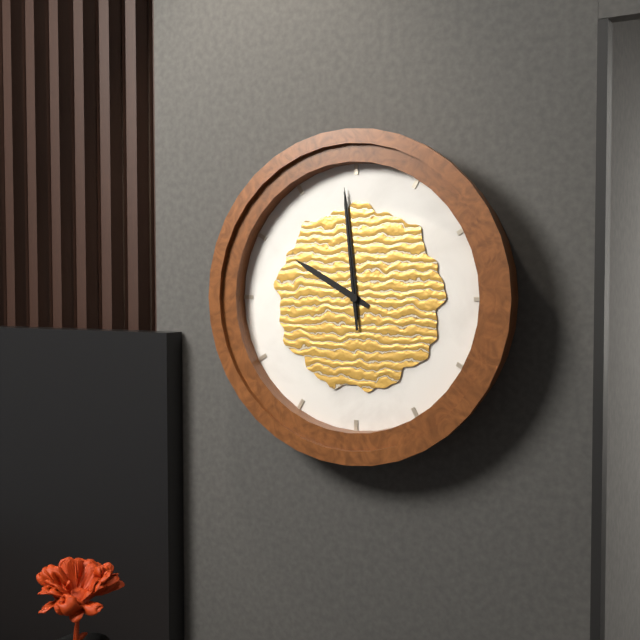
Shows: 9:59:59
